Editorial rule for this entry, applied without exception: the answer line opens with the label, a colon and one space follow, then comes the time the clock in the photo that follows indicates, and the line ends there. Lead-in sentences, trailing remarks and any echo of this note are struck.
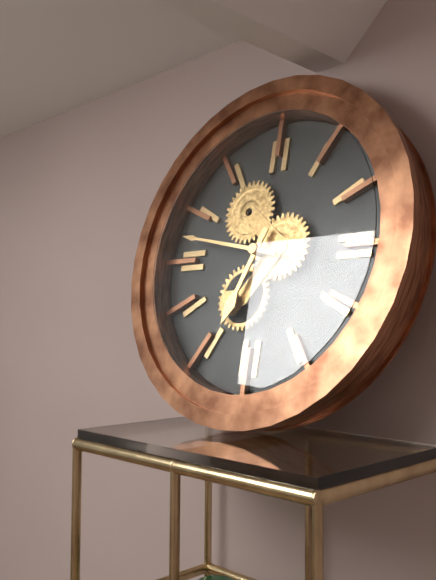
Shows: 6:47
